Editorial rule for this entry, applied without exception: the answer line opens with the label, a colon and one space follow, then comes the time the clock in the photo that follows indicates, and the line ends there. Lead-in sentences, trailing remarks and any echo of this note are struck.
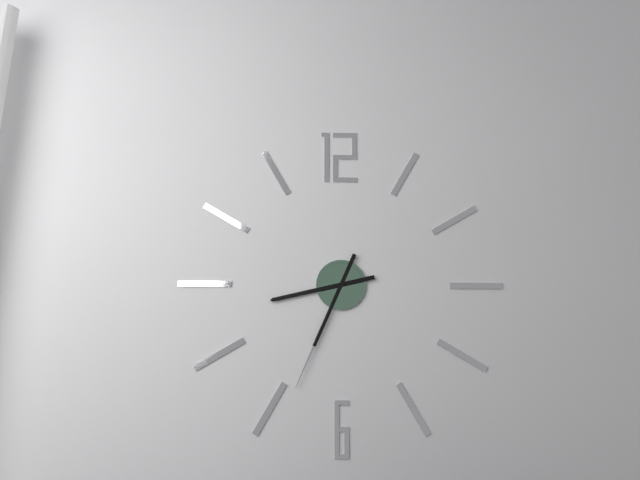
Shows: 8:34
